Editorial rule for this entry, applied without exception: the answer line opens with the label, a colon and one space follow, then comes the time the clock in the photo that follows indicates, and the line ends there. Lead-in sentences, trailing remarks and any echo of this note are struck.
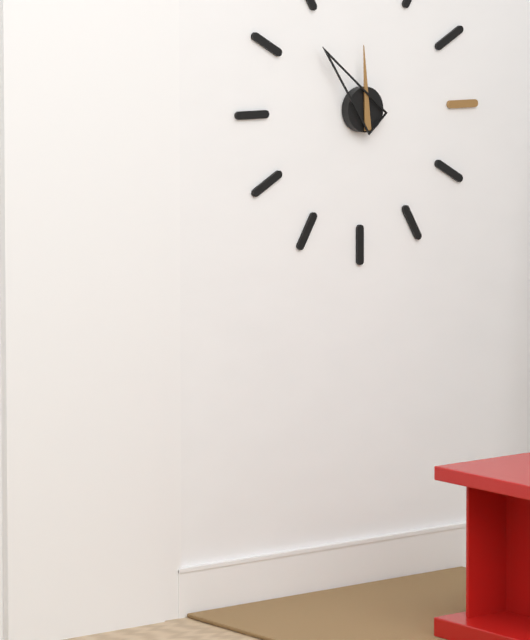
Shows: 11:53
